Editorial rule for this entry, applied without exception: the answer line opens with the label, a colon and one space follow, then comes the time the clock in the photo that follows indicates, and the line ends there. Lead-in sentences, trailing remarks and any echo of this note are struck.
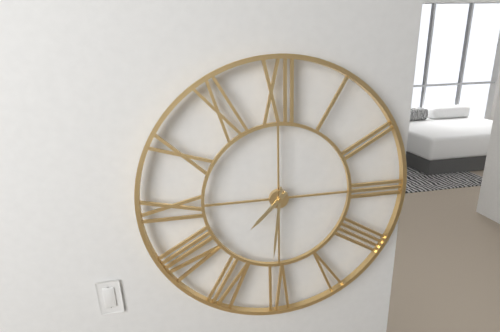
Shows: 7:31
